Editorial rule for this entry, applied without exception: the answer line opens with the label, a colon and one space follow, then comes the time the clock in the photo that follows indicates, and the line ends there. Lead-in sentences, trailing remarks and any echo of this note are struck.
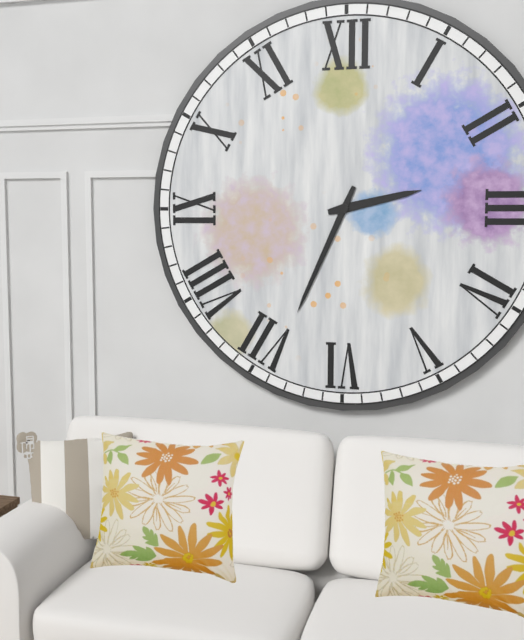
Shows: 2:34
